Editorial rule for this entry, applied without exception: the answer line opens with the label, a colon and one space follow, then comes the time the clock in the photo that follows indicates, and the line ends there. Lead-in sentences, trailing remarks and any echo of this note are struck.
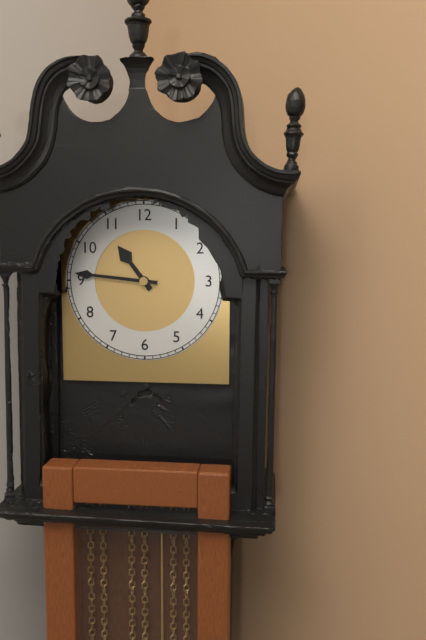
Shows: 10:46
